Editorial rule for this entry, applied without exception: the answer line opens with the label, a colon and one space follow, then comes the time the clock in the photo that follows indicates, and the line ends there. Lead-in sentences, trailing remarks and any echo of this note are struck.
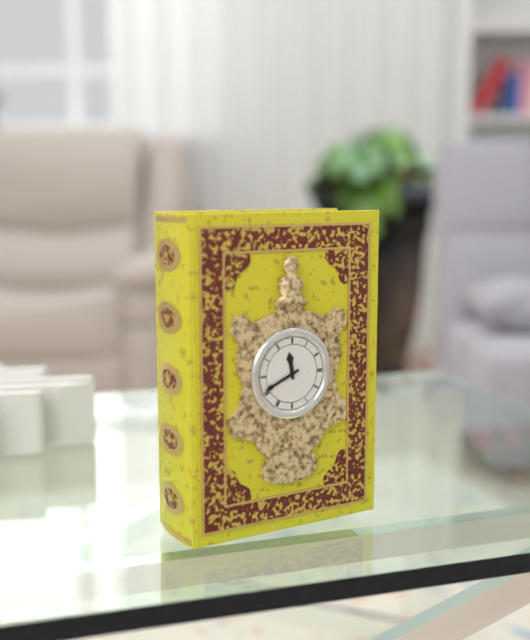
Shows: 11:41
